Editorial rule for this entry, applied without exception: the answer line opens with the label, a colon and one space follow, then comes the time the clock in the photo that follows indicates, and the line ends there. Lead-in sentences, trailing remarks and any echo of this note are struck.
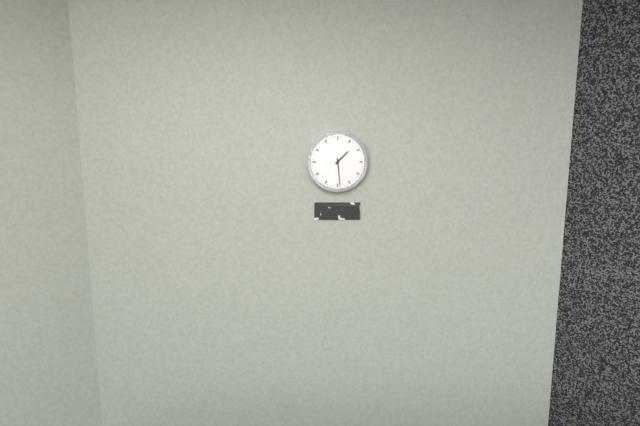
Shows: 1:29
